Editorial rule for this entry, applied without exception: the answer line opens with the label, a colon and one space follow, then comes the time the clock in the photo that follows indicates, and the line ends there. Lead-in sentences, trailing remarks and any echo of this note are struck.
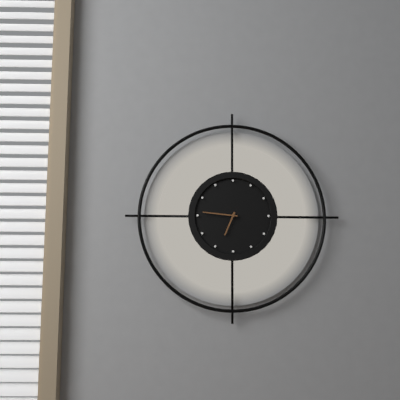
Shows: 6:46
